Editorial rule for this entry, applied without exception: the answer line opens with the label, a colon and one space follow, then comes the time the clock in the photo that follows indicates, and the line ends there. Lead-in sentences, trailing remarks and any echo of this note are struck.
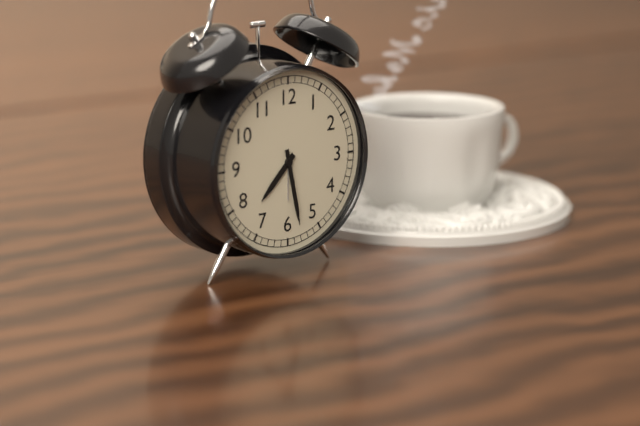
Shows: 7:28
